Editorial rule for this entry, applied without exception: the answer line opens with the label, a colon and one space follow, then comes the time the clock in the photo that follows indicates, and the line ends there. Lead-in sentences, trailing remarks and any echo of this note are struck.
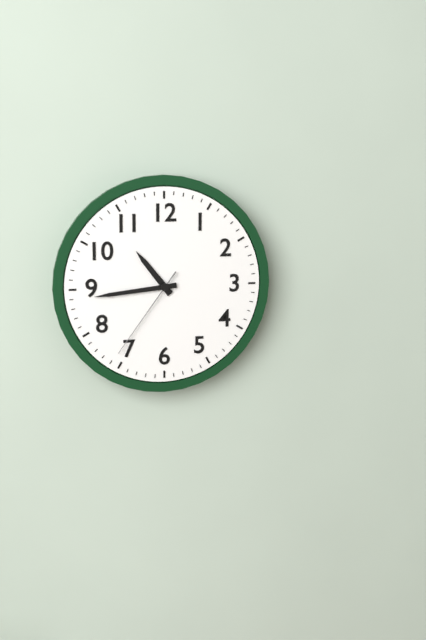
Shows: 10:44:36
